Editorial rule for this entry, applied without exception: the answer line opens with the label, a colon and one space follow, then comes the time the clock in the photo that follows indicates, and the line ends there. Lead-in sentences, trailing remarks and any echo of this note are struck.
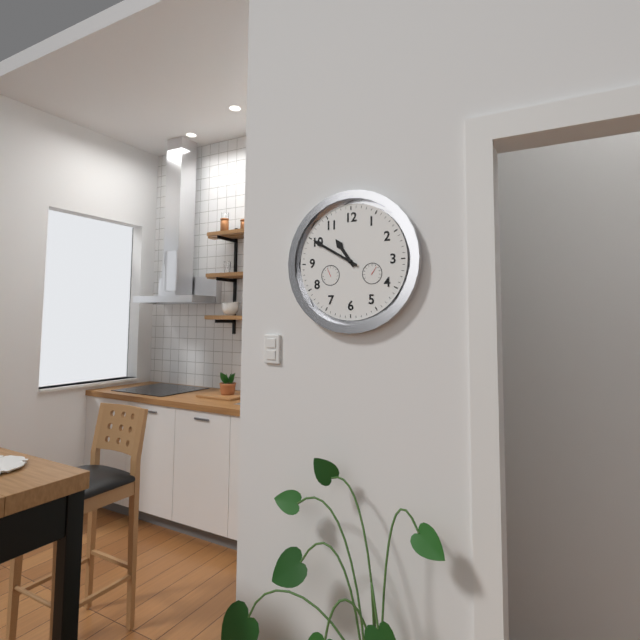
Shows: 10:50
